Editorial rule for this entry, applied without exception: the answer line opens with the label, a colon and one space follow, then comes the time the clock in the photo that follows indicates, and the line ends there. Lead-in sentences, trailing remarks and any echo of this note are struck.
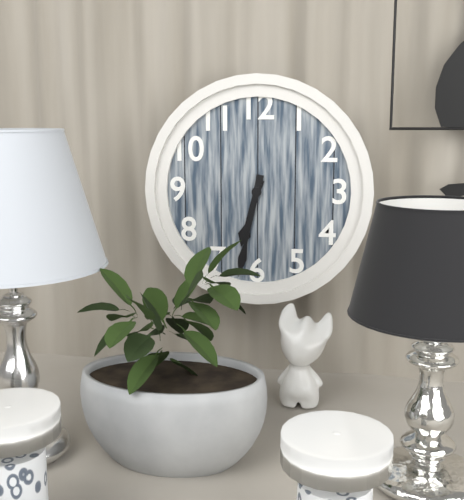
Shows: 6:32
